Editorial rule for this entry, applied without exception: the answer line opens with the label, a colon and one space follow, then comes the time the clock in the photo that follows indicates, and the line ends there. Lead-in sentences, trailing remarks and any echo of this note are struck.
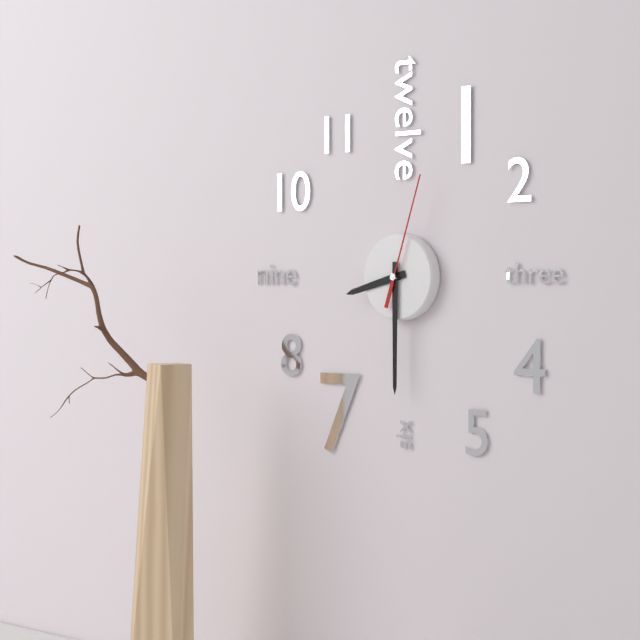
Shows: 8:30:03
